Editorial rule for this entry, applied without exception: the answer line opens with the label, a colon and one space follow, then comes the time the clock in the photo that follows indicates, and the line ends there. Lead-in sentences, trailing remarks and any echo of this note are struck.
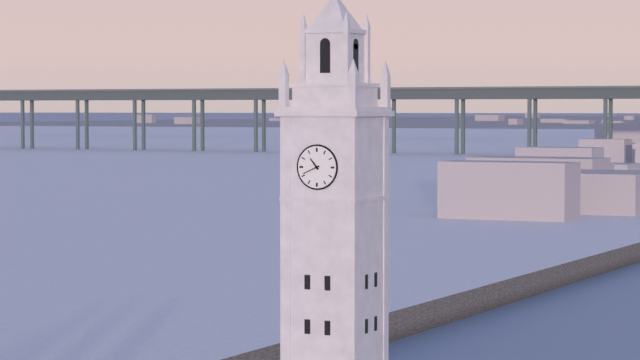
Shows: 10:41
